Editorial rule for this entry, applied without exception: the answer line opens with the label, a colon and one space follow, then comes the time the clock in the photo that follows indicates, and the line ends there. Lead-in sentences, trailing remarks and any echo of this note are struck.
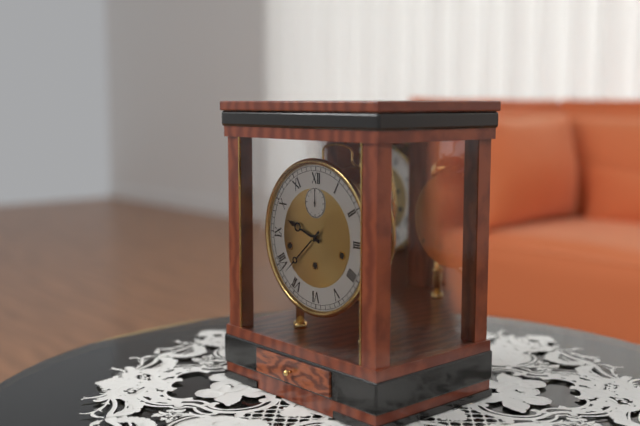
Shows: 9:38
